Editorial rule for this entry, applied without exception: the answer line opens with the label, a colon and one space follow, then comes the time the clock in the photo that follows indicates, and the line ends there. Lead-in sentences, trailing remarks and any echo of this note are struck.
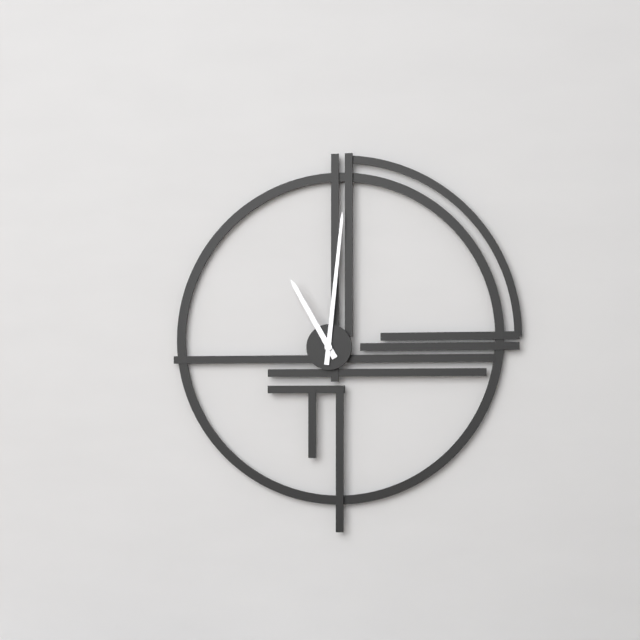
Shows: 11:01
